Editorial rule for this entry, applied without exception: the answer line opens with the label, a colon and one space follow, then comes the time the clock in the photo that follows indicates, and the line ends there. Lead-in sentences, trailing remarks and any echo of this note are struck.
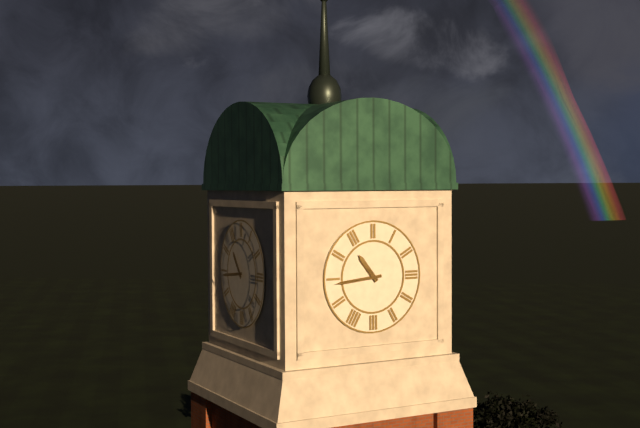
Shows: 10:44
